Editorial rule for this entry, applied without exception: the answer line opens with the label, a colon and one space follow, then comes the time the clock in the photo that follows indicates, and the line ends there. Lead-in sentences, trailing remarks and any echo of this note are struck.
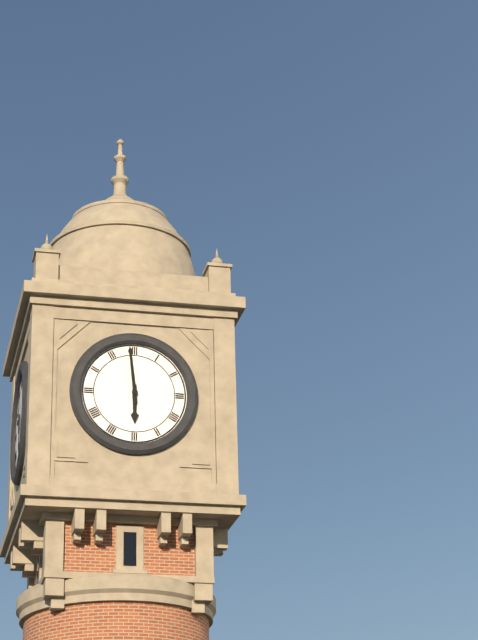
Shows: 5:59
